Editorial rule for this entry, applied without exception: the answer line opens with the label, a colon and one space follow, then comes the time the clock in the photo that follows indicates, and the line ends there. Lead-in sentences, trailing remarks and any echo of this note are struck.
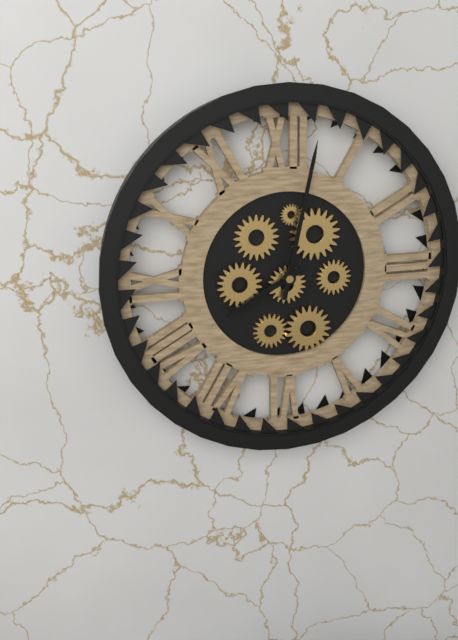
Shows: 8:02
